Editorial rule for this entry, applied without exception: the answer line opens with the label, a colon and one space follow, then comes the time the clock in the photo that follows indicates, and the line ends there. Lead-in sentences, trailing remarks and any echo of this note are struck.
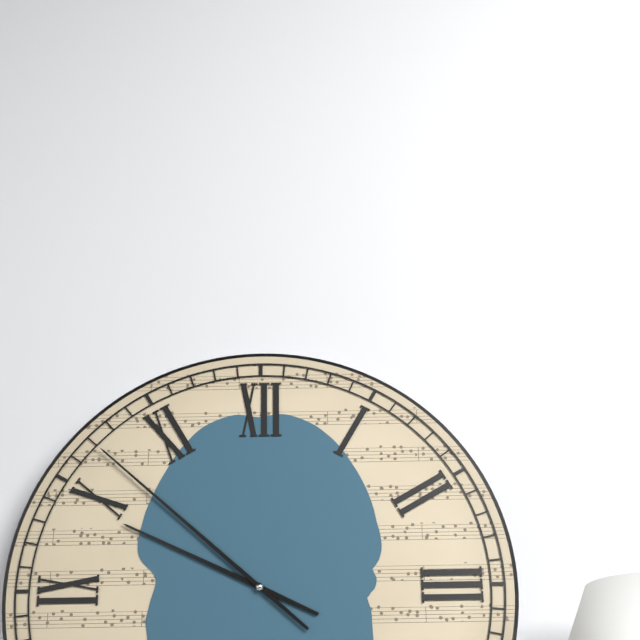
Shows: 9:52
